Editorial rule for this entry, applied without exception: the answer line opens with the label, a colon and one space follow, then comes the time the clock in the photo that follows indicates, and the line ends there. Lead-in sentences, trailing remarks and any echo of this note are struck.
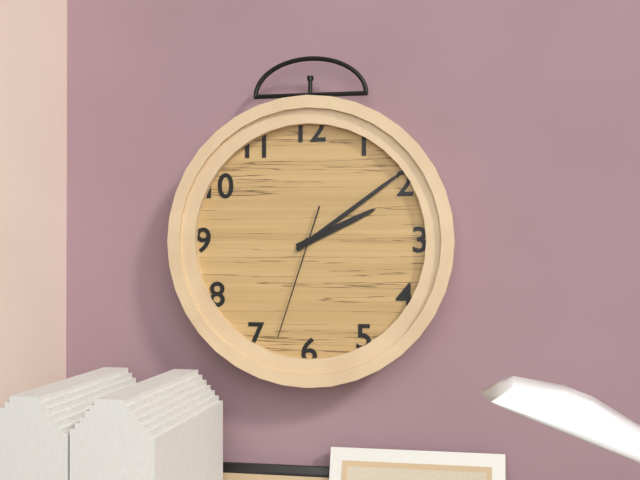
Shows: 2:09:33
